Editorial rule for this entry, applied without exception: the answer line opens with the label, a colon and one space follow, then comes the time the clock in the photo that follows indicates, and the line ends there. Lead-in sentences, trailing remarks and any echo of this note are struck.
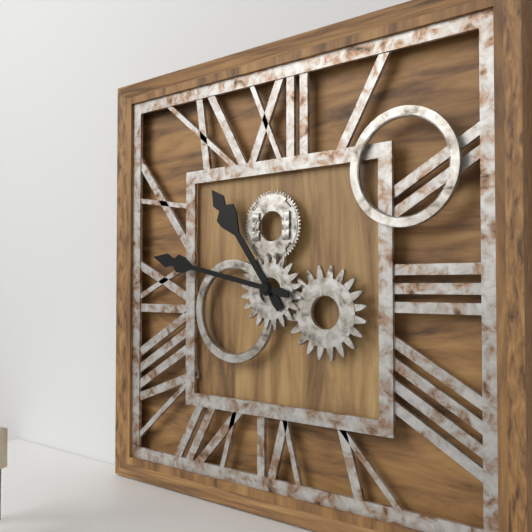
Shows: 10:47
